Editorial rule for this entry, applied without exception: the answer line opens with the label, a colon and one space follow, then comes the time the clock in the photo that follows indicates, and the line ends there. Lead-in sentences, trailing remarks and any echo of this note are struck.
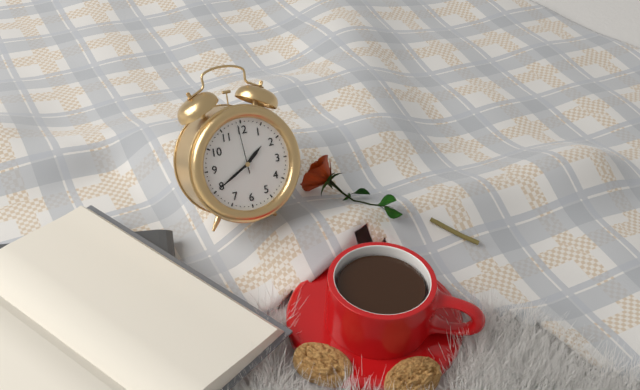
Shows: 1:40:59
